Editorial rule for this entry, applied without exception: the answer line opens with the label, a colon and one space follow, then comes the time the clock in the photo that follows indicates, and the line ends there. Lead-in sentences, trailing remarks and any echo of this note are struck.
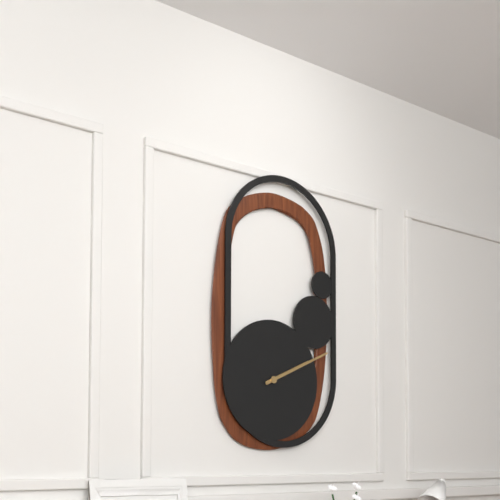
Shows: 2:11
